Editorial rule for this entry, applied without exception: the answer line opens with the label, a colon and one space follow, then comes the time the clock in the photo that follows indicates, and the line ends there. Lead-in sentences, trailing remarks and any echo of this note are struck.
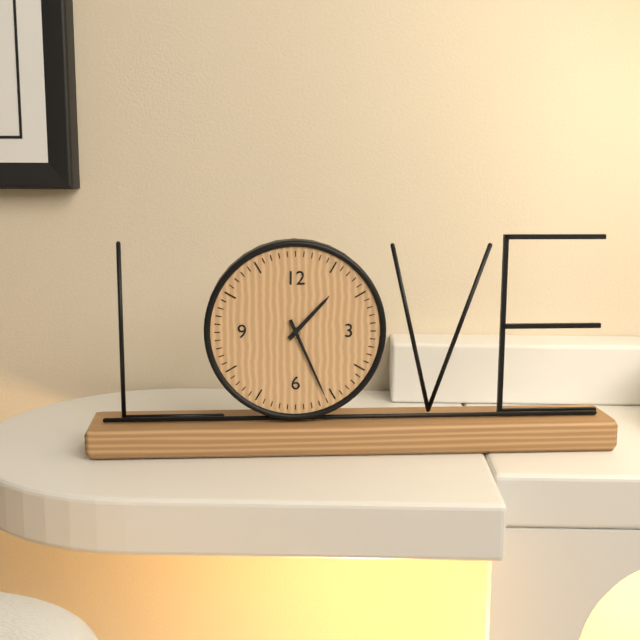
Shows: 1:26
